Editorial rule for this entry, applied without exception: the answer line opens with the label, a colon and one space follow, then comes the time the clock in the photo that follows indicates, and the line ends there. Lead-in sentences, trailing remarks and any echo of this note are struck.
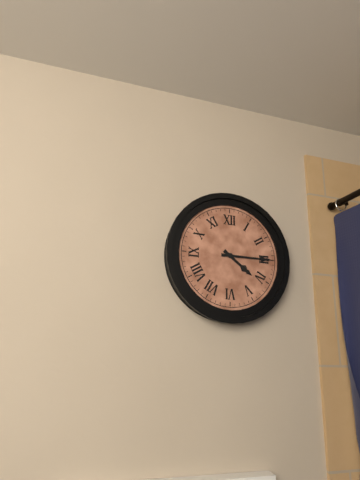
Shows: 4:15
